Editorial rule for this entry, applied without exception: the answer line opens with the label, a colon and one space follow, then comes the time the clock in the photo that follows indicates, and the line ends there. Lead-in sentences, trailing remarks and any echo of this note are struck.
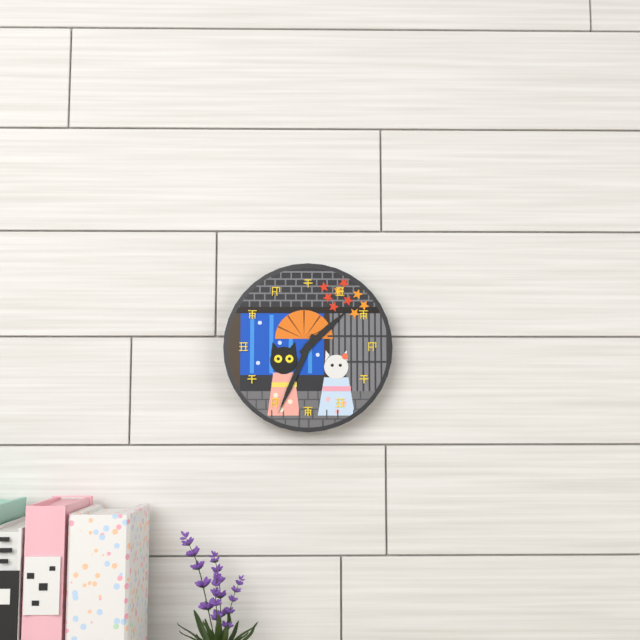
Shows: 1:34
